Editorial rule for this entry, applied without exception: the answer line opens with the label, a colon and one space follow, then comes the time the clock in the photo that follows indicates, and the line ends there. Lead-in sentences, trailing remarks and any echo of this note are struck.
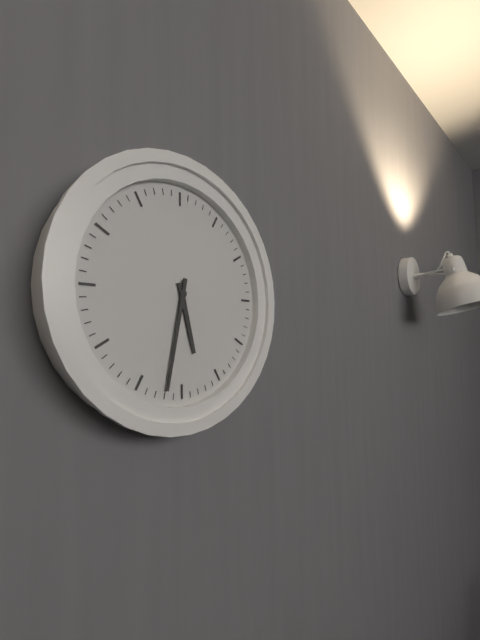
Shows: 5:32
